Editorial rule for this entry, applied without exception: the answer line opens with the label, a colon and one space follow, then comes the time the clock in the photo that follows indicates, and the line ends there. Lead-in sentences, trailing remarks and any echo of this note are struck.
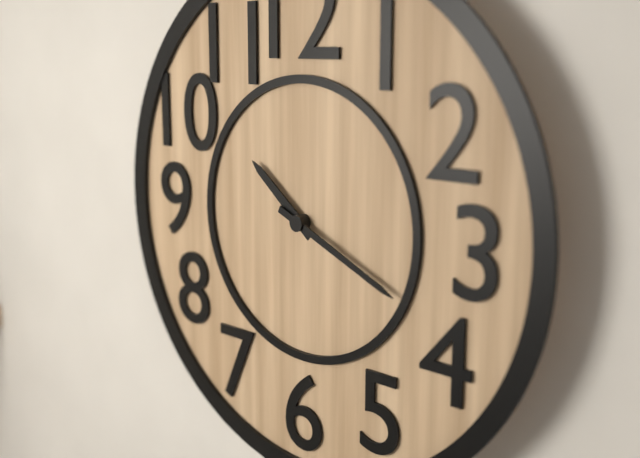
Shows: 10:19
